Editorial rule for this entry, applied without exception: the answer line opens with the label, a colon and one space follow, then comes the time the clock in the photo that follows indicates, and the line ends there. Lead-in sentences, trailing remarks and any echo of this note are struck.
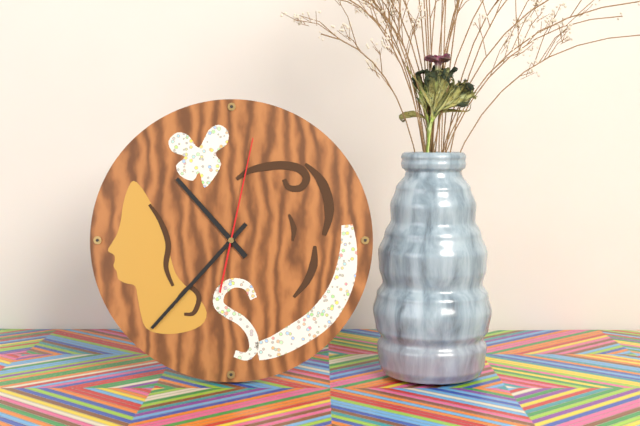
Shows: 10:37:02
